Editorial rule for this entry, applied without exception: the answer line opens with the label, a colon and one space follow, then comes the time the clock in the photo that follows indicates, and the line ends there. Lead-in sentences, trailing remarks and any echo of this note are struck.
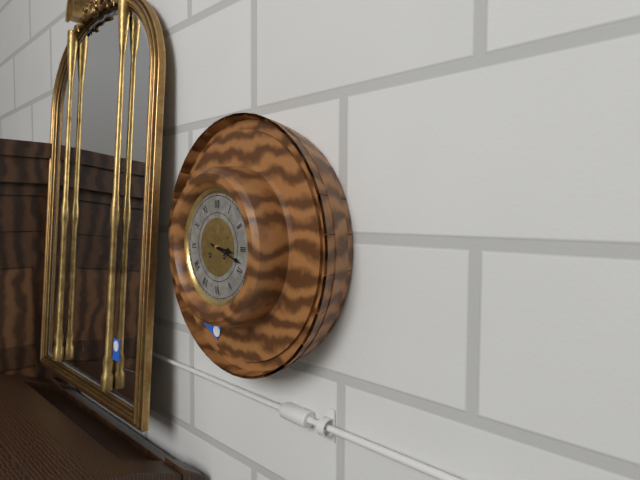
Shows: 3:18
